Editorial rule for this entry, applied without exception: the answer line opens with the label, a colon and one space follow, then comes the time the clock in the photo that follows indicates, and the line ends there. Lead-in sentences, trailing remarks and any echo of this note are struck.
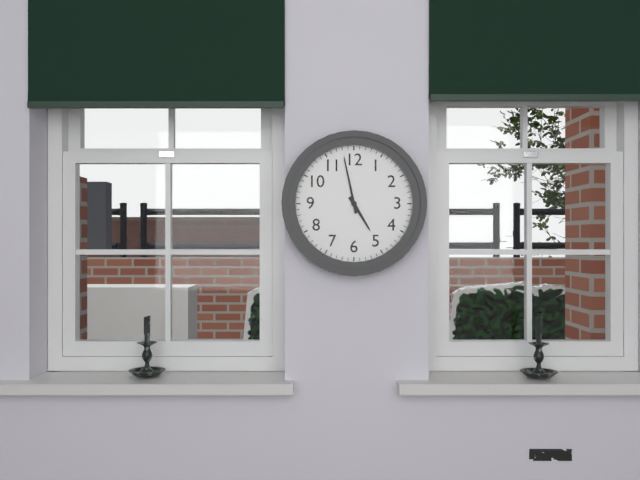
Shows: 4:58
